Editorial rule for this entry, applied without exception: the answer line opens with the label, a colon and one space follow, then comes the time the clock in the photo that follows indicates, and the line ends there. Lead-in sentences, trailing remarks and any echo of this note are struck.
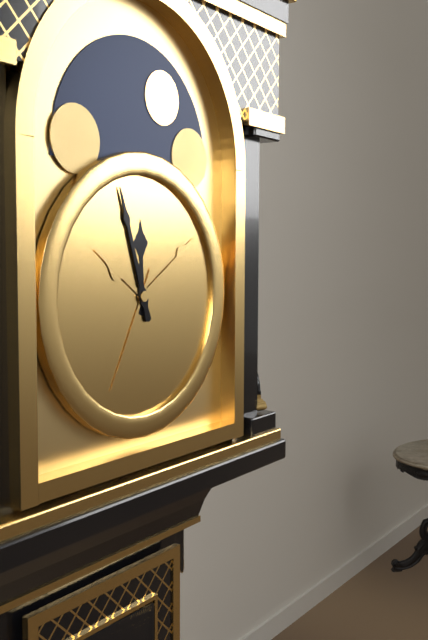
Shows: 11:57
